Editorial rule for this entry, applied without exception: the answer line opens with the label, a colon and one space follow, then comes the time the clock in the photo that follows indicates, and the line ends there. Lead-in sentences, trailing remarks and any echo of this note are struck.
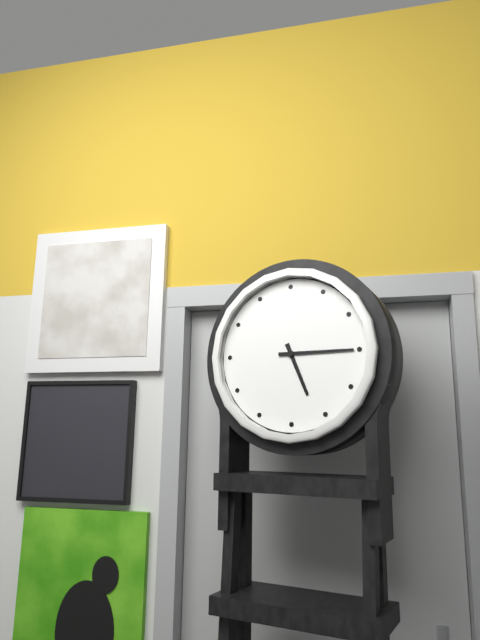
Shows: 5:15
